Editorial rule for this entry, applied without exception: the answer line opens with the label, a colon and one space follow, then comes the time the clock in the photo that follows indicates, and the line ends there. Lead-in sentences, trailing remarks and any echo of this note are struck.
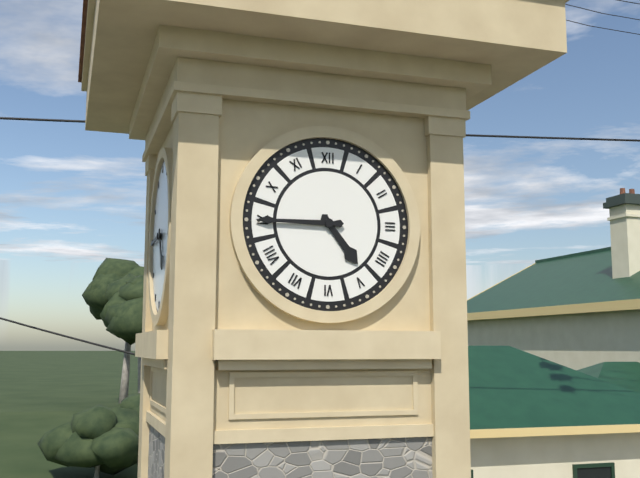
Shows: 4:45
